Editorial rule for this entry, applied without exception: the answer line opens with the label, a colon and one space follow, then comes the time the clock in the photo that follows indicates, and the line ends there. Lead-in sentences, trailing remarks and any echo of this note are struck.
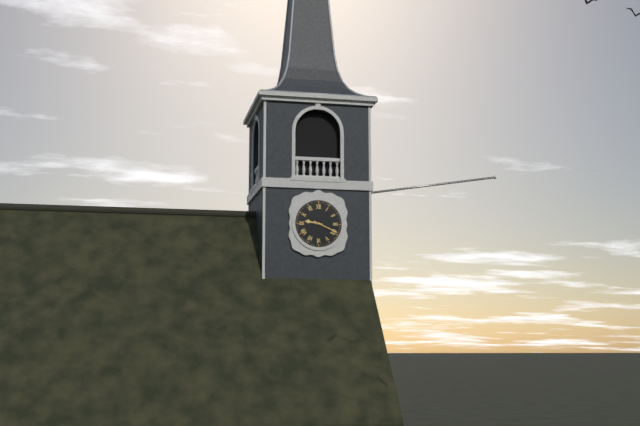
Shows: 9:19
